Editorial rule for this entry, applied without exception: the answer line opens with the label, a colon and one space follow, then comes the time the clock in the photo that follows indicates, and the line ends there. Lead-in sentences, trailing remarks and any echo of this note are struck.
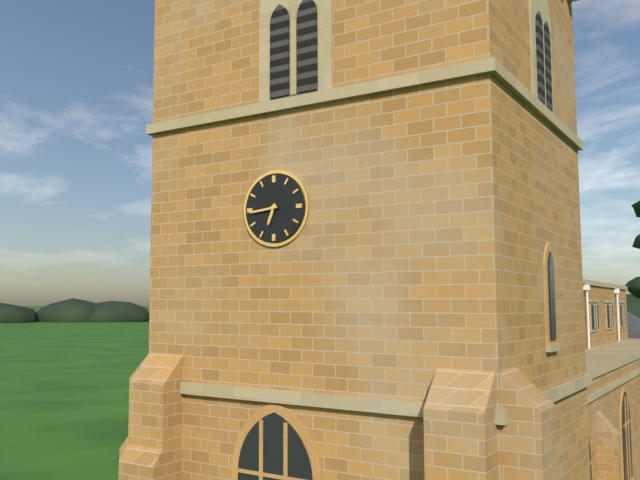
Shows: 6:44
